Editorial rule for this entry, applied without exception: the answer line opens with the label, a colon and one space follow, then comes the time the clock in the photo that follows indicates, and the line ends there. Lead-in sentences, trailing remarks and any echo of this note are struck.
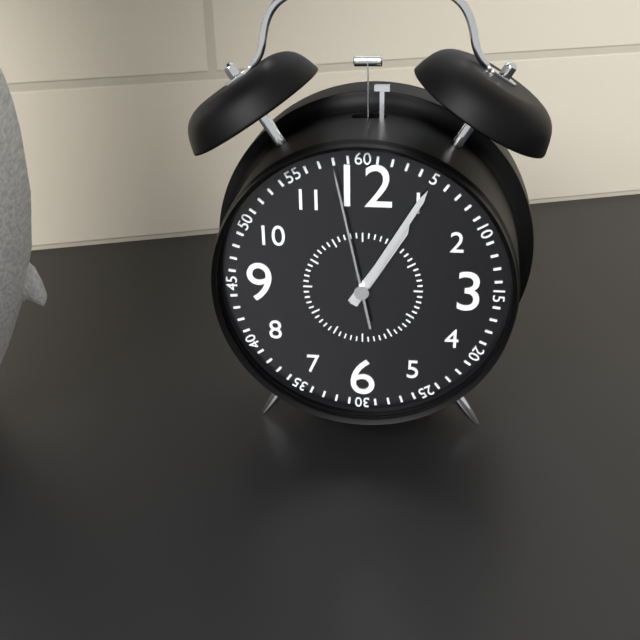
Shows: 1:05:58
